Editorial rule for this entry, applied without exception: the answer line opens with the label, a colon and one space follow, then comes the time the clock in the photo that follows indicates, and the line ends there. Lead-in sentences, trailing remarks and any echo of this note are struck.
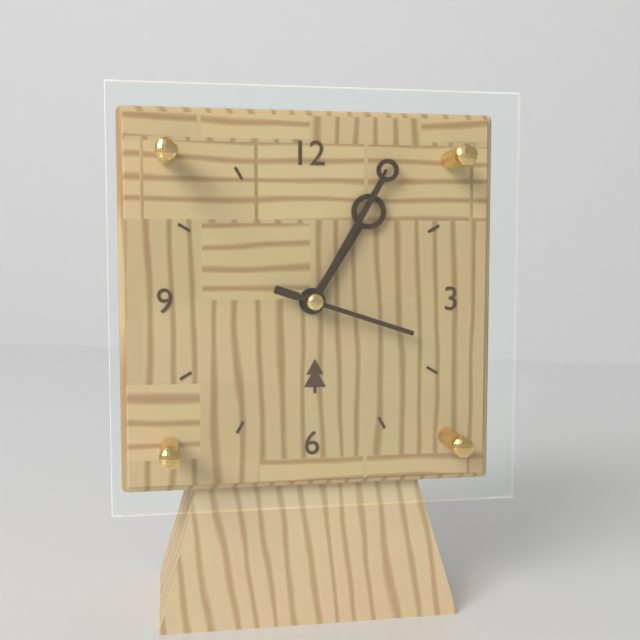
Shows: 1:05:18
